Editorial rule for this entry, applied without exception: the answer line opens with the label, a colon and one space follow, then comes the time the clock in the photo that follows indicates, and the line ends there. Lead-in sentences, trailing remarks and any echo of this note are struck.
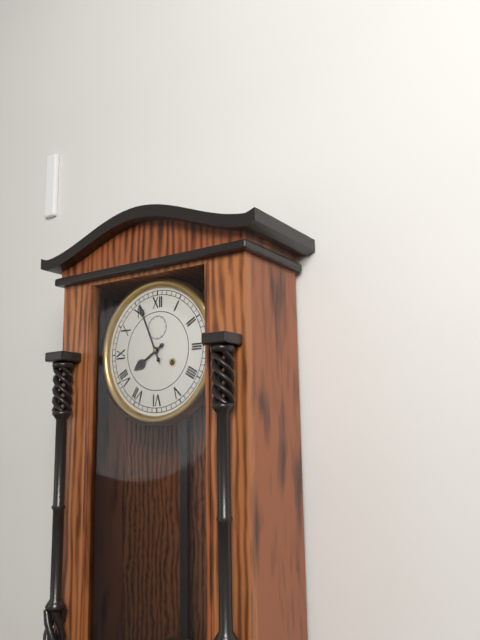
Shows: 7:56
